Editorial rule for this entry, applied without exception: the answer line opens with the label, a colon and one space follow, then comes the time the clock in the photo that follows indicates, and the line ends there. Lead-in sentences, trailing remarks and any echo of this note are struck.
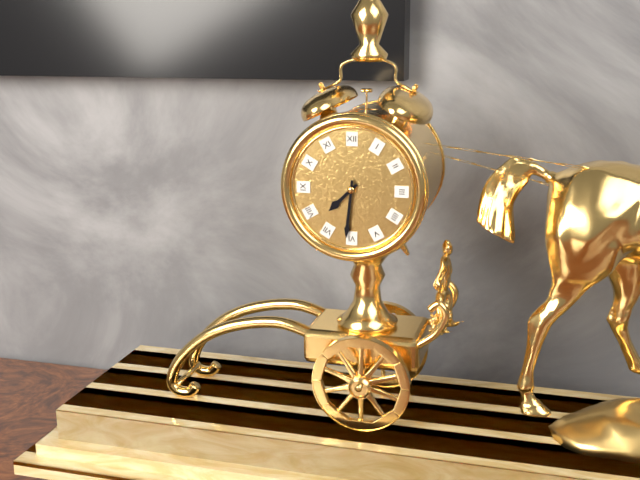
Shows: 7:31
